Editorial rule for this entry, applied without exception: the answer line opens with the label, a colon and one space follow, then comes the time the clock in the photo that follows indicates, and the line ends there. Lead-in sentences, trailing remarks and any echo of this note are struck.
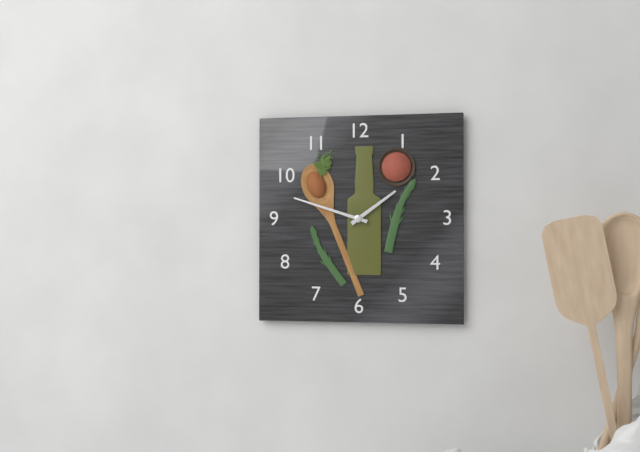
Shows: 1:48
